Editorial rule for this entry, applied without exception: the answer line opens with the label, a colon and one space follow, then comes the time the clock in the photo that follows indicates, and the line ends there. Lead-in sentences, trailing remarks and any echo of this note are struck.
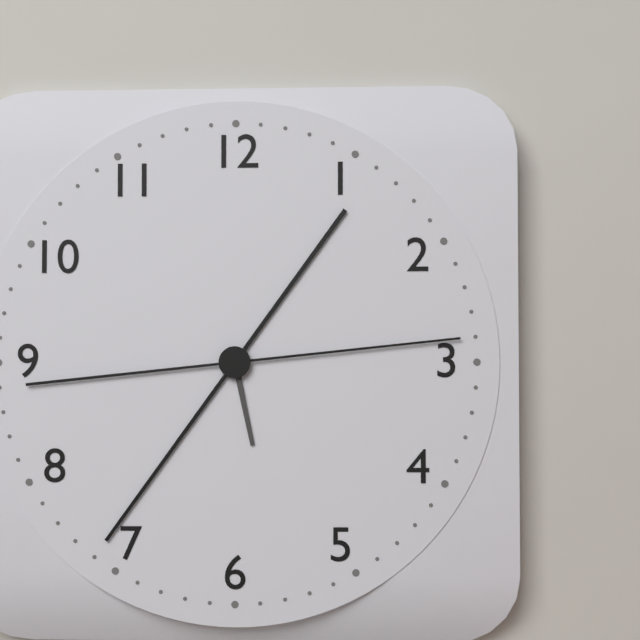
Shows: 5:36:14
